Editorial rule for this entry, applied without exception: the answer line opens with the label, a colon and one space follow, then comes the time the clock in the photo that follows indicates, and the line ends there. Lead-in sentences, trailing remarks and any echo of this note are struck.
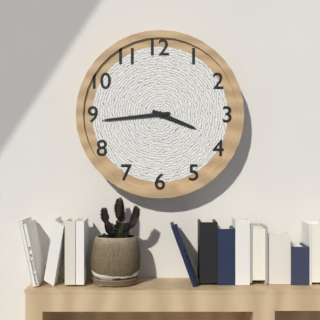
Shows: 3:44
